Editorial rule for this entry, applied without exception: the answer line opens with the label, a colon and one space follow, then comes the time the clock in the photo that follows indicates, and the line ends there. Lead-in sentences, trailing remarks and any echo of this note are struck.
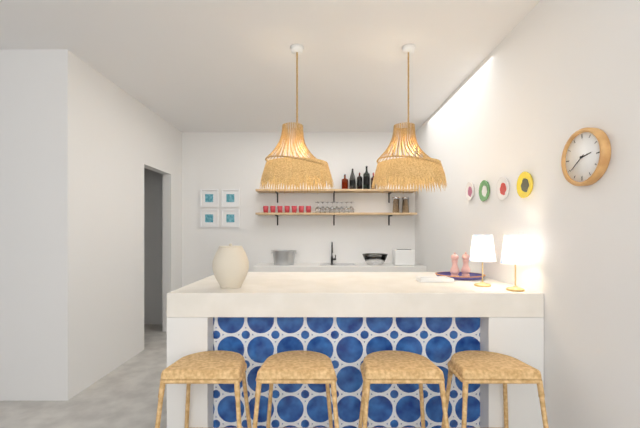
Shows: 2:39
